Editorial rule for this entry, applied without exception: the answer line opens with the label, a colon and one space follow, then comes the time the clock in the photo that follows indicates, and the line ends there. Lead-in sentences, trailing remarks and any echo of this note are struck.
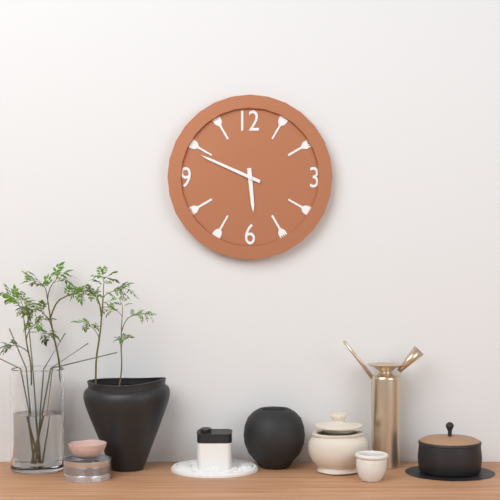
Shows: 5:49
